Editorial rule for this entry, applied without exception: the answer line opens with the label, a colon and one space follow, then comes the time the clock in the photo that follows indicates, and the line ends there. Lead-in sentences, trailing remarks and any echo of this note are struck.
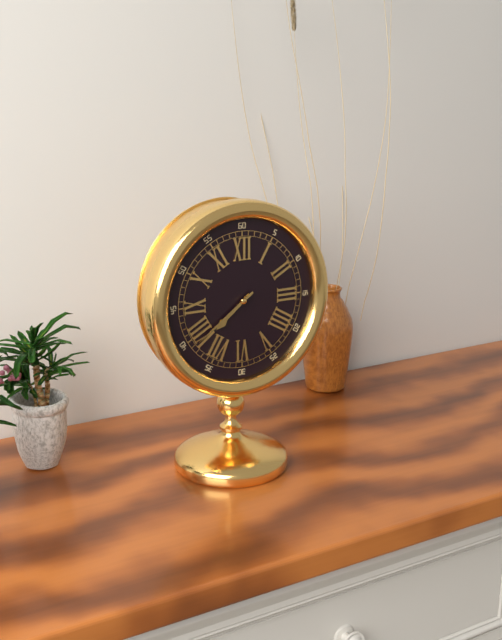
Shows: 7:39
